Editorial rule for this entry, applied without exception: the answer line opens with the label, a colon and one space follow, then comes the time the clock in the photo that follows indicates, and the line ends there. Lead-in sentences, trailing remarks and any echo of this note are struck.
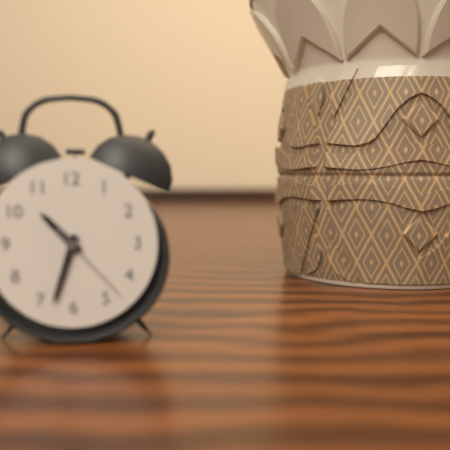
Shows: 10:33:23
